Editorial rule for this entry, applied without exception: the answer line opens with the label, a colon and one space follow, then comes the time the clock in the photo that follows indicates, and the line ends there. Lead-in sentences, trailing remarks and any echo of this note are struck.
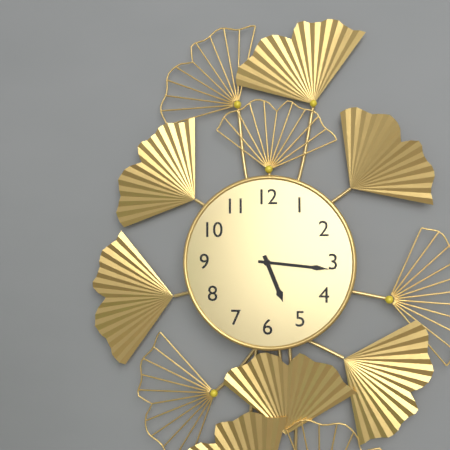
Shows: 5:16
